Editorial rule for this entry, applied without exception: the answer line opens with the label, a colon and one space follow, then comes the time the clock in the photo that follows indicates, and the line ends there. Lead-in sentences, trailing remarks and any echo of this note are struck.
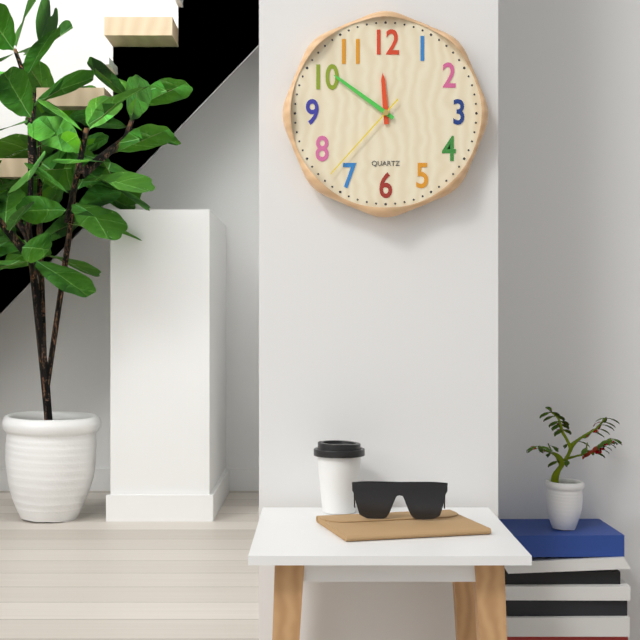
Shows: 11:51:37
